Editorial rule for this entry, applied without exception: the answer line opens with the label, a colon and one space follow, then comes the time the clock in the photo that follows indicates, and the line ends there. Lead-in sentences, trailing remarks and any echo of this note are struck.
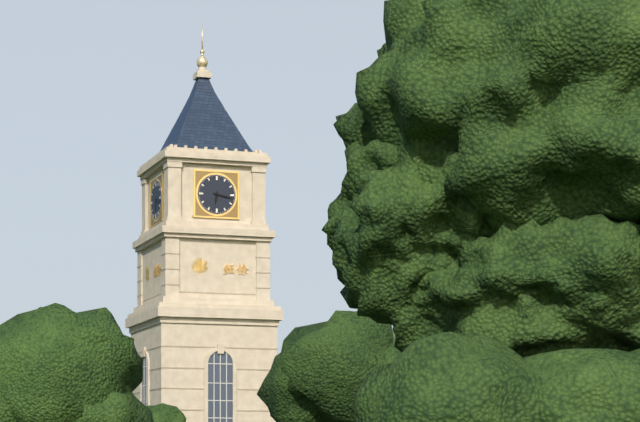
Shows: 6:17
